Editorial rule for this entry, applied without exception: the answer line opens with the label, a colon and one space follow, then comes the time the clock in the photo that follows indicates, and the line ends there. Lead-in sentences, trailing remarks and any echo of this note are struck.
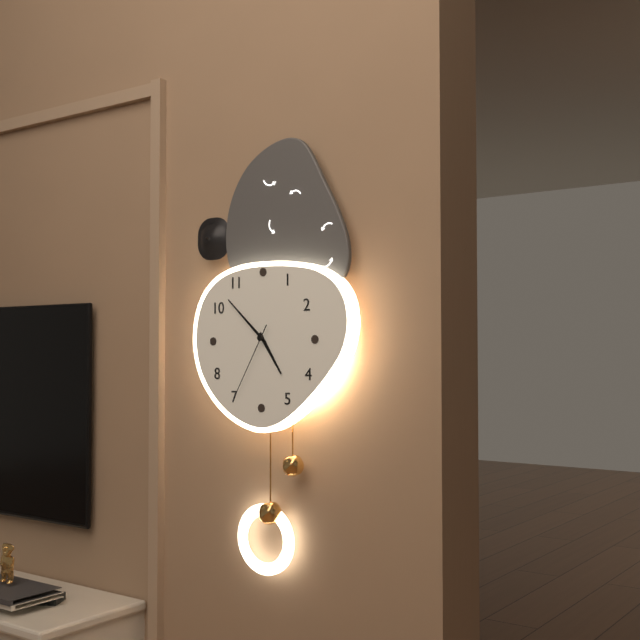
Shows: 4:52:35
